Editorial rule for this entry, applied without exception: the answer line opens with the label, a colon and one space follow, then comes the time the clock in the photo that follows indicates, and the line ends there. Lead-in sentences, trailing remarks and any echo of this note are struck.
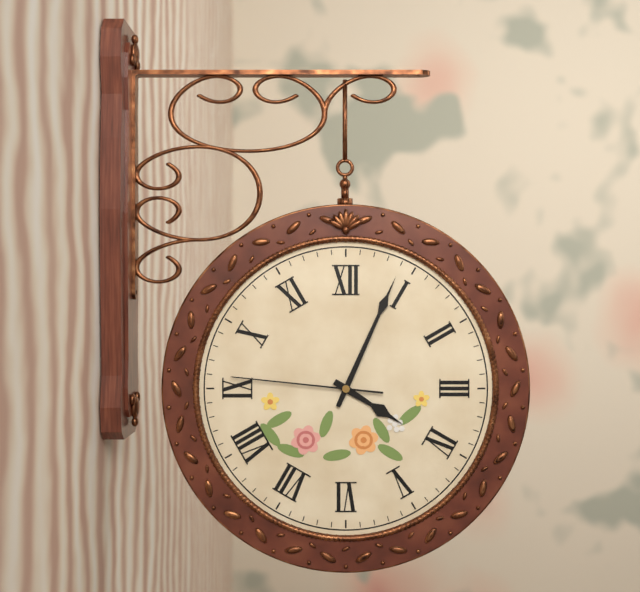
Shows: 4:04:46
